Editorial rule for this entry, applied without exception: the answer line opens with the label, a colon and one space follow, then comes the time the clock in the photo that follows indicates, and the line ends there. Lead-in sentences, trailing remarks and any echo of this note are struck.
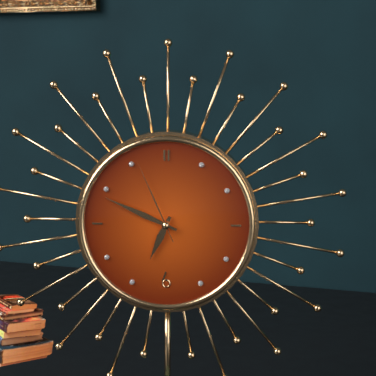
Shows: 6:49:56
